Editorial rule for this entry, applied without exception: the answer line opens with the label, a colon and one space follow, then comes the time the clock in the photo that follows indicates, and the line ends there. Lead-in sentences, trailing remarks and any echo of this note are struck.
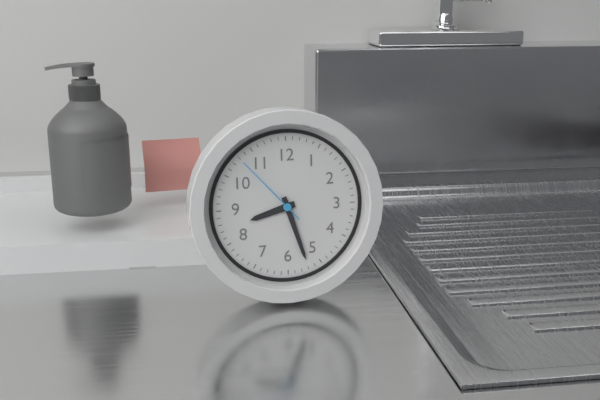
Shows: 8:27:53
